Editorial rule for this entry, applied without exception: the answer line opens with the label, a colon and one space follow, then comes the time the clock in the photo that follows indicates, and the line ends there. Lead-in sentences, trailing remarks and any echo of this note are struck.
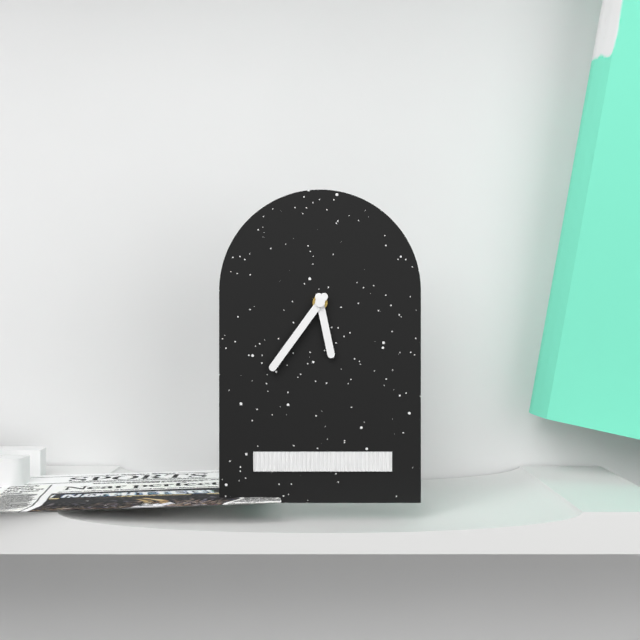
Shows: 5:36
